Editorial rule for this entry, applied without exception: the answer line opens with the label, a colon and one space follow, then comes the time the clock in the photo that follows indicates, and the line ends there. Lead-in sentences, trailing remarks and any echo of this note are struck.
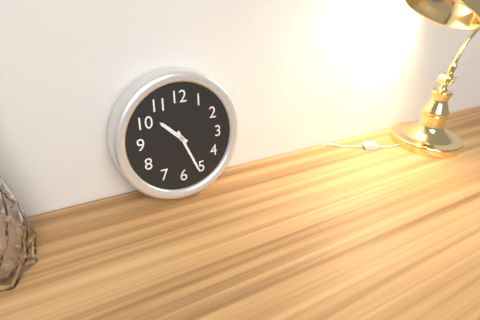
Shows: 10:26
